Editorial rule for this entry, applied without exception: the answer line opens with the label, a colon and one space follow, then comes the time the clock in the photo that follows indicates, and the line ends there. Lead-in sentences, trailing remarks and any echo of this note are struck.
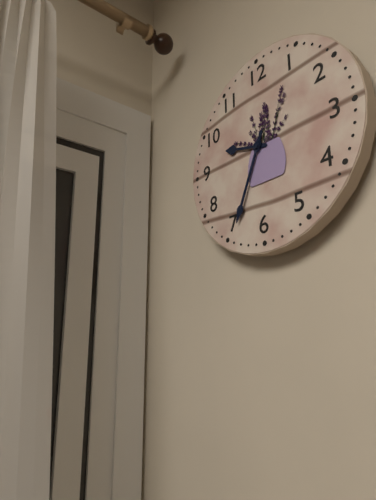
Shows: 9:34
